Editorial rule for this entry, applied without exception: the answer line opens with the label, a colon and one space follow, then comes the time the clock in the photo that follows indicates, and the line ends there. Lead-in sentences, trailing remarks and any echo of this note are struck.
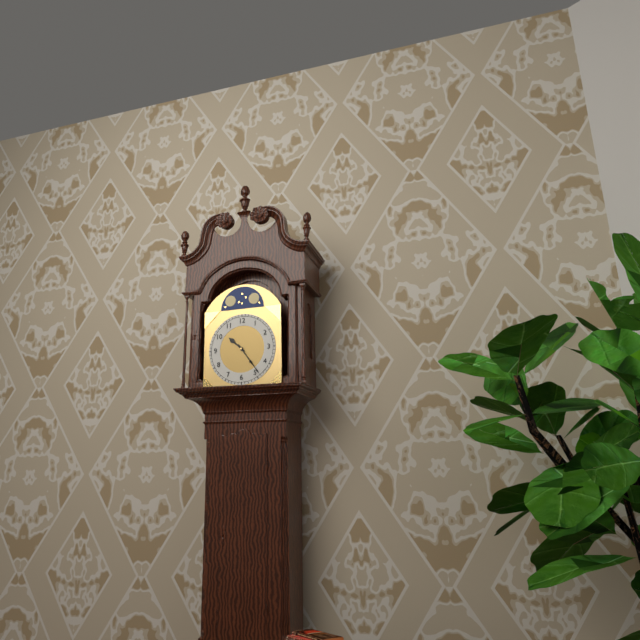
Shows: 10:24
